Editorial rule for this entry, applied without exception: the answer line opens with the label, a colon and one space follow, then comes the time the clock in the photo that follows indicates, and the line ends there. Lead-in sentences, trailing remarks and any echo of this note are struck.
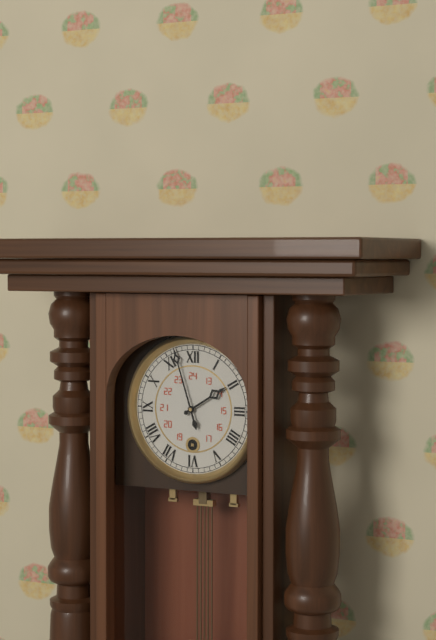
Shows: 1:57
